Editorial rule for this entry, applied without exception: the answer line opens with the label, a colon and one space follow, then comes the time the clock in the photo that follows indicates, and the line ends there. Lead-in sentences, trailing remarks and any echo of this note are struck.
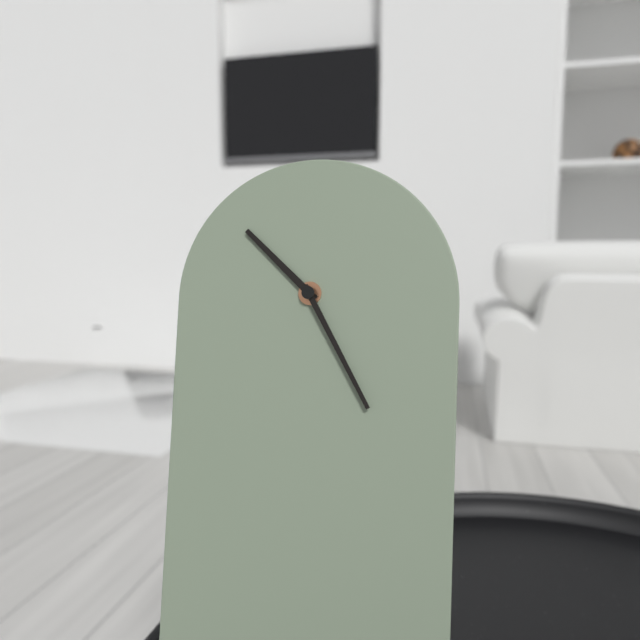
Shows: 10:25
